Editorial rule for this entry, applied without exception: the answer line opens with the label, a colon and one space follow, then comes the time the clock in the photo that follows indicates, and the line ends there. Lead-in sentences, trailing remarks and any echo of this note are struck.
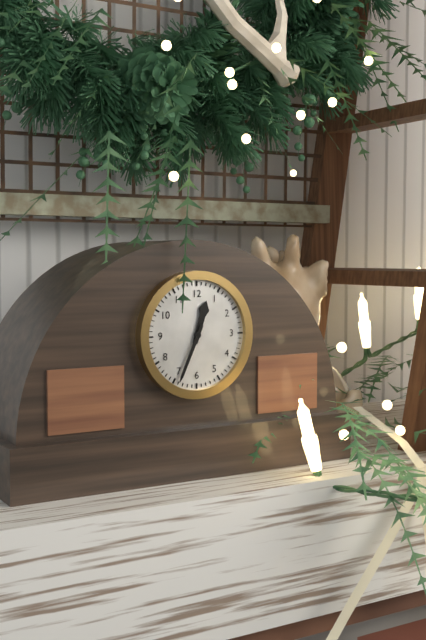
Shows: 12:34
